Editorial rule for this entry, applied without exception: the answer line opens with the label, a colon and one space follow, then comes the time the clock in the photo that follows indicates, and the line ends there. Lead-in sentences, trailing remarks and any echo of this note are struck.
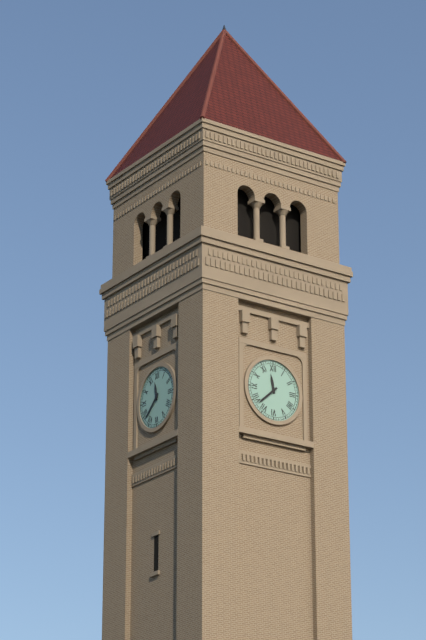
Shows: 11:38
